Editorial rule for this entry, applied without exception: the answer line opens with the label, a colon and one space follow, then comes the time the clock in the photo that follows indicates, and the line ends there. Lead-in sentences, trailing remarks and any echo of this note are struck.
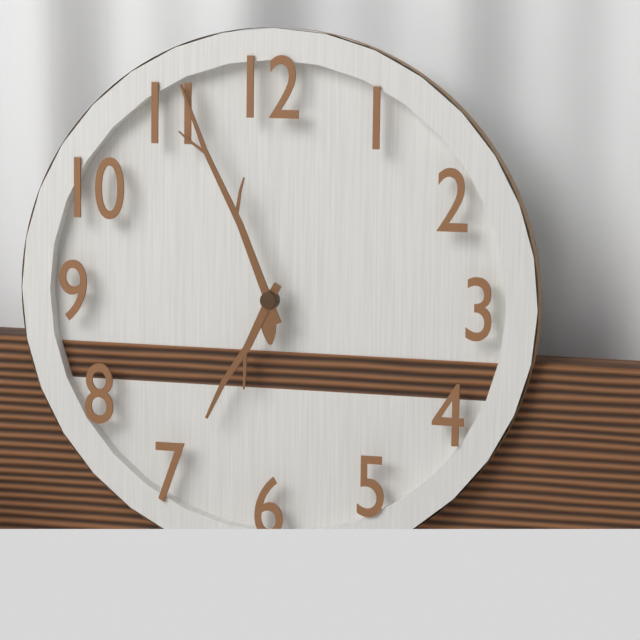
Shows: 6:56
